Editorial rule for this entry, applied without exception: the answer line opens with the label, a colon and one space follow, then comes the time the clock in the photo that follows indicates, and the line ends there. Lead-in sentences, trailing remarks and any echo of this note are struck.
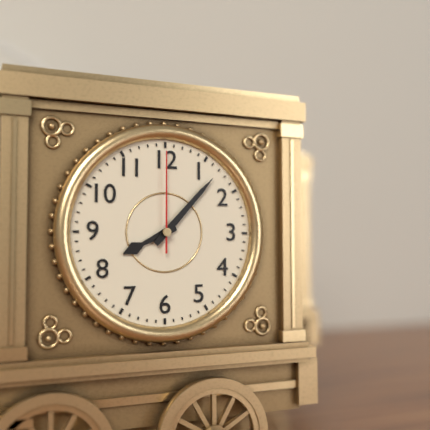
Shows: 8:07:00
